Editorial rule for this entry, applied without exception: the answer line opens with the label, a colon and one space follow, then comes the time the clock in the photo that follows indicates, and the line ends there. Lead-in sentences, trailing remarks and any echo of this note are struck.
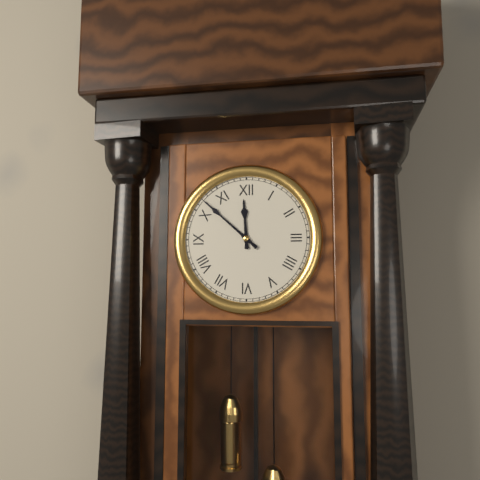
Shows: 11:52
